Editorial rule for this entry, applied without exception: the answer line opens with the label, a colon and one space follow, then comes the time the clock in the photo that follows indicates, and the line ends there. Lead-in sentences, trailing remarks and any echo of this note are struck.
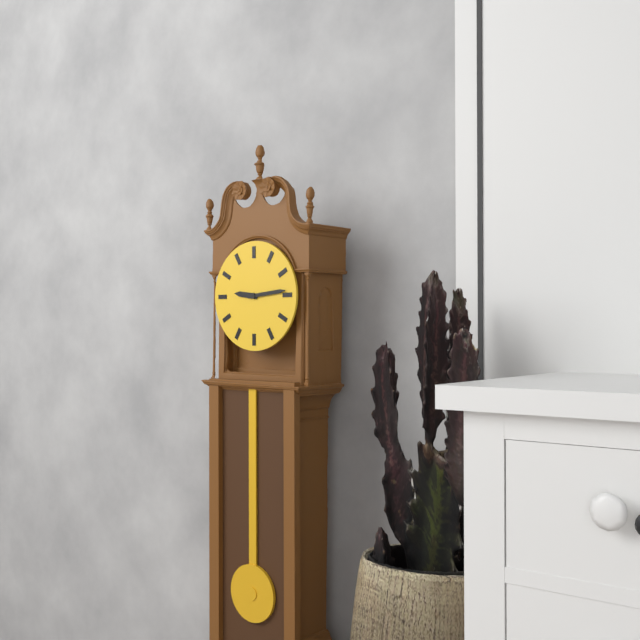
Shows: 9:14
